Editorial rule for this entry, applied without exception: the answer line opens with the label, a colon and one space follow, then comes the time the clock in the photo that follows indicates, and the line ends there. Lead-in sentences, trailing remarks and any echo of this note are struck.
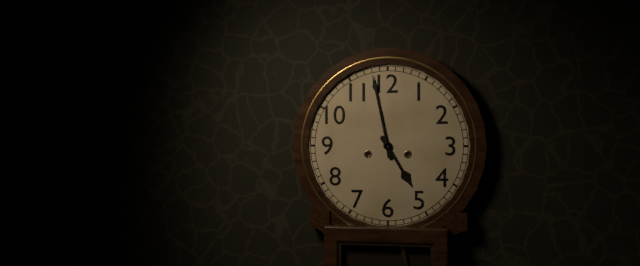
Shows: 4:58
